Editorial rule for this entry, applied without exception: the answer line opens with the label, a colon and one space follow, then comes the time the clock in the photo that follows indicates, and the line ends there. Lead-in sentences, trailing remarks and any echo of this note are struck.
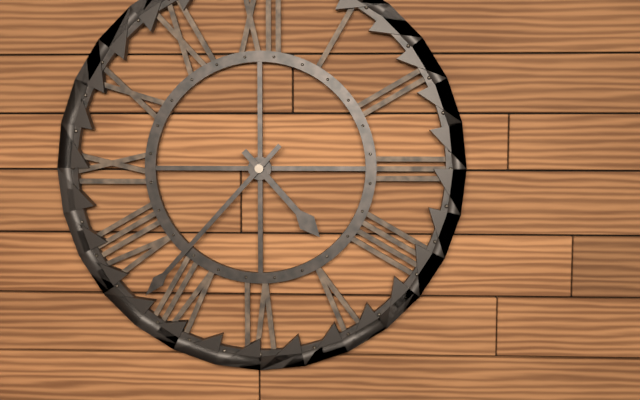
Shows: 4:37
